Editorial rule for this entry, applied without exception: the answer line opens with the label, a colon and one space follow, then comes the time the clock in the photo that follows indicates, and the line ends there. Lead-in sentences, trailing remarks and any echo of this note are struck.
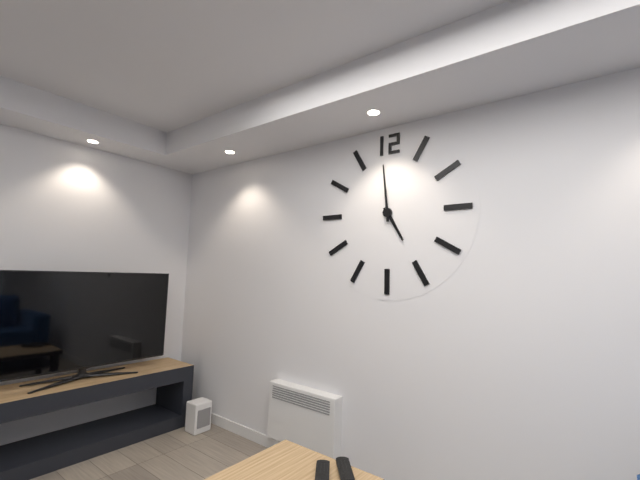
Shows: 4:59
